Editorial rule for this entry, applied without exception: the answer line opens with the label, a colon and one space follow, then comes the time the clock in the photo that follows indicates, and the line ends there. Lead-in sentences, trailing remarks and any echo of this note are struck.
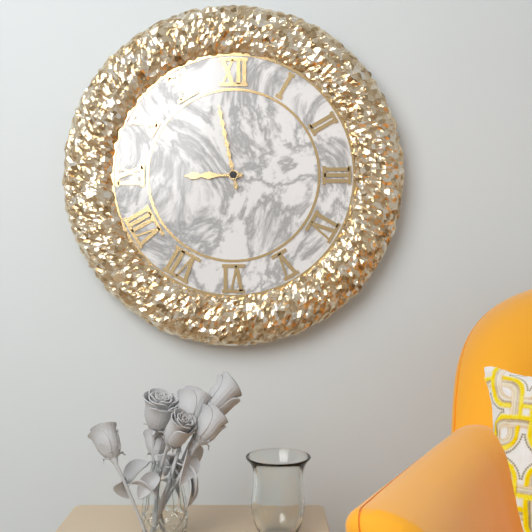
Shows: 8:58
